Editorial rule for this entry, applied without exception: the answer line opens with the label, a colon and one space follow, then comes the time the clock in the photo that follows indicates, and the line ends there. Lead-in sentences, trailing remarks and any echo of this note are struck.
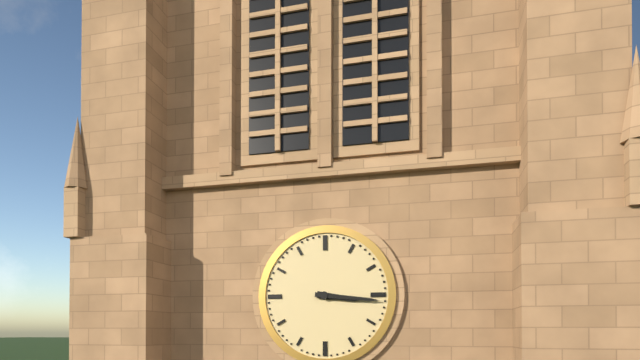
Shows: 3:16
